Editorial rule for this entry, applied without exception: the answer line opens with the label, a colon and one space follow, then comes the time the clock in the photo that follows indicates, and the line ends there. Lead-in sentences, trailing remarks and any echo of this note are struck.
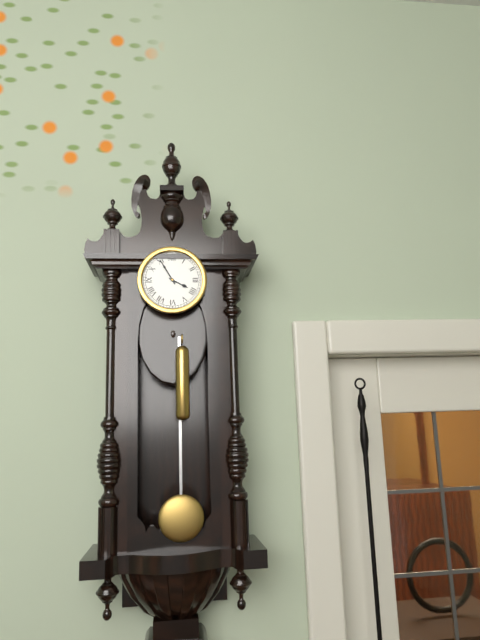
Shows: 3:55
